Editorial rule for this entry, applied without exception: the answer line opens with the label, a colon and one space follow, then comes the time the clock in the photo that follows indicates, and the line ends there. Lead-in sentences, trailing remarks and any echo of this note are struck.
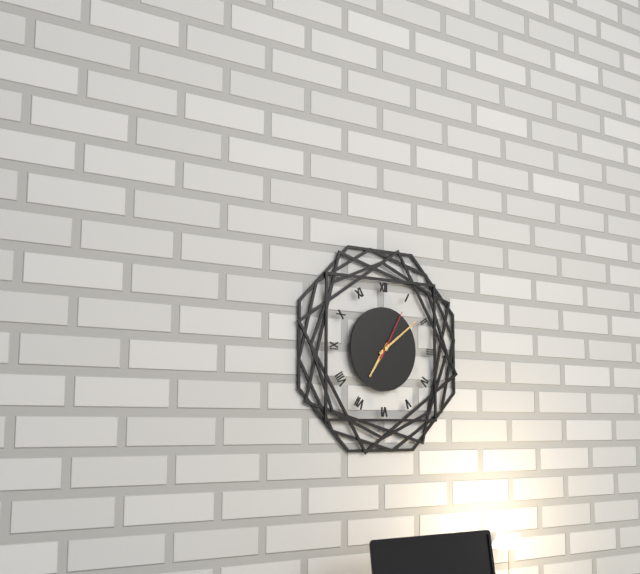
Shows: 7:09:05
